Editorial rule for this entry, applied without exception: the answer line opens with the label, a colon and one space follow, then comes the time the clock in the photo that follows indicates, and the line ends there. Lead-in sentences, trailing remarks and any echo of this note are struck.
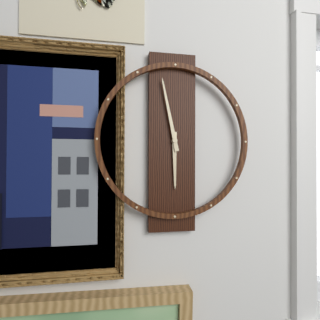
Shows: 5:58
